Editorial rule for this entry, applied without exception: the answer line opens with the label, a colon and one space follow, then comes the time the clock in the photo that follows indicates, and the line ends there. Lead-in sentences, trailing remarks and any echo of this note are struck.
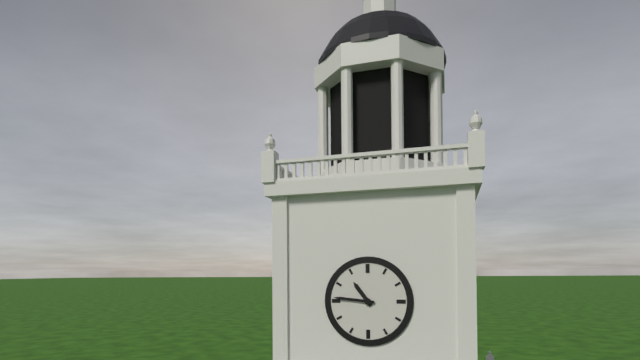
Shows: 10:46
